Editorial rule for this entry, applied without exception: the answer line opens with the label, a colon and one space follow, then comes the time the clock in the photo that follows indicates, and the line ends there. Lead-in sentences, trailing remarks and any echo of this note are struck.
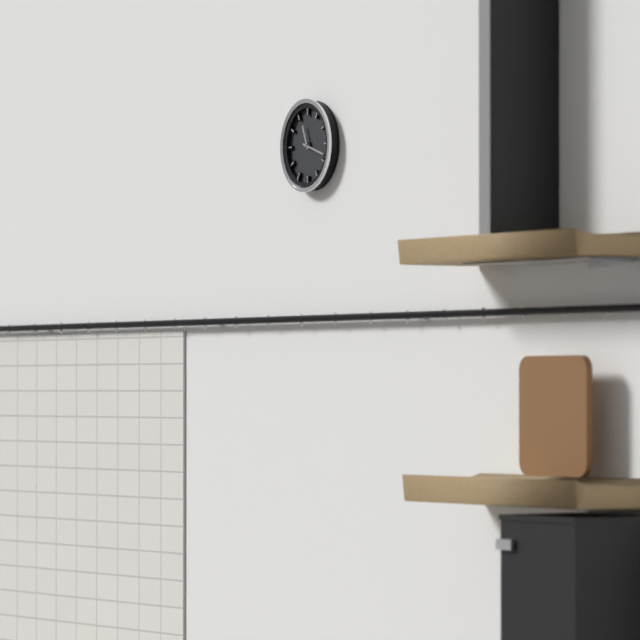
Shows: 11:18
